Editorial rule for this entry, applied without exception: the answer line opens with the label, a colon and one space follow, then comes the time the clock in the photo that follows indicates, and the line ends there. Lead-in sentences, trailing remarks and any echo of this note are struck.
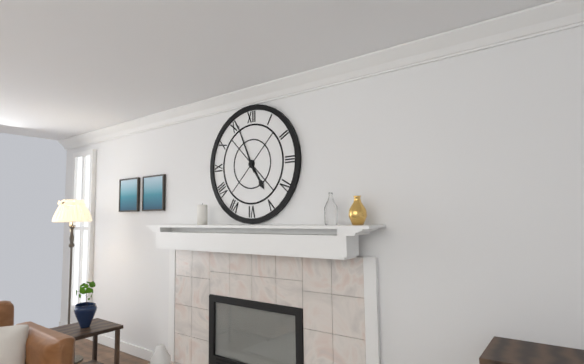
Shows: 4:56
